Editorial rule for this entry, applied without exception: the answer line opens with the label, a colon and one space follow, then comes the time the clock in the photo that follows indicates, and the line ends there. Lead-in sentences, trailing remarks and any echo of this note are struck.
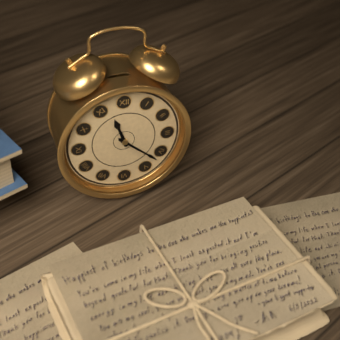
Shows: 11:22
